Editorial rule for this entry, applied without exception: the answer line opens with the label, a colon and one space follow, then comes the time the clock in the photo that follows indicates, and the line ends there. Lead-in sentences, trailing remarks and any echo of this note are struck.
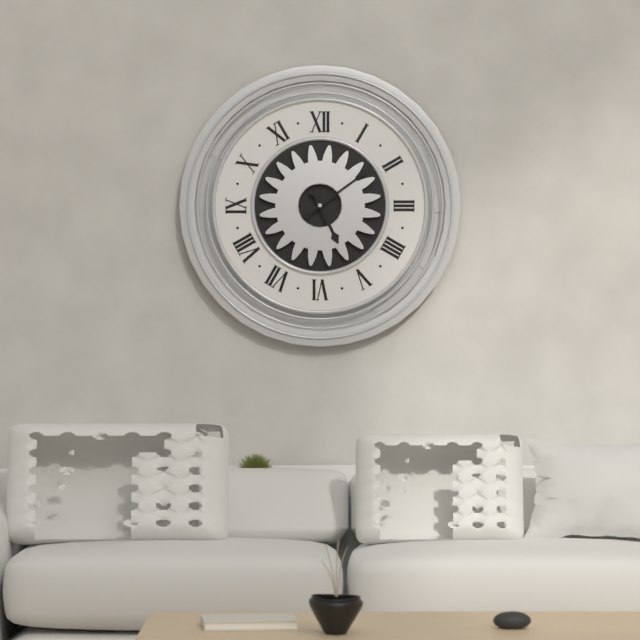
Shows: 5:09
